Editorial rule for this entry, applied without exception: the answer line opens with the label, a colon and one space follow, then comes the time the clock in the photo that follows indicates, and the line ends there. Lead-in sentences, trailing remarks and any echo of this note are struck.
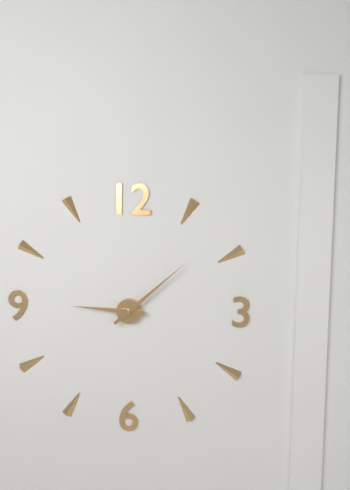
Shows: 9:08
